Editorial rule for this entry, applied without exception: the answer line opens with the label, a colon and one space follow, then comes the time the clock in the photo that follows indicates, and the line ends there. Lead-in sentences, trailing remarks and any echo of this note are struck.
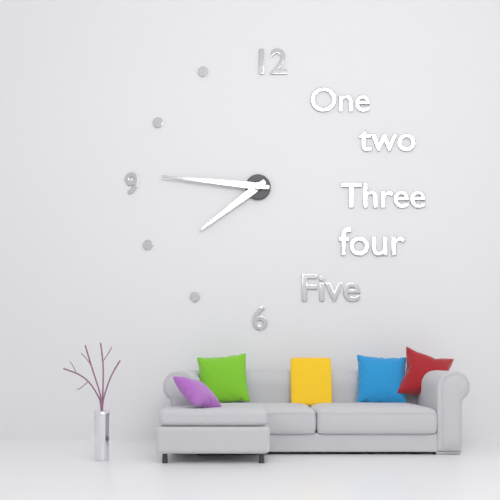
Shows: 7:46
